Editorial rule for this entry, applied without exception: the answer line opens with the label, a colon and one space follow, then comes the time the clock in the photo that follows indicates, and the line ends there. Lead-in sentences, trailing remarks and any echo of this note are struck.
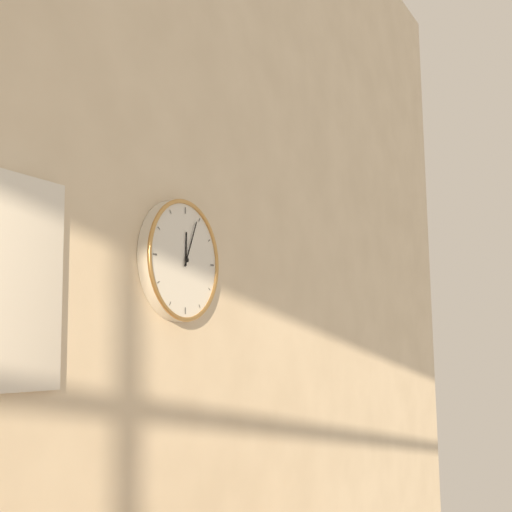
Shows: 12:04
